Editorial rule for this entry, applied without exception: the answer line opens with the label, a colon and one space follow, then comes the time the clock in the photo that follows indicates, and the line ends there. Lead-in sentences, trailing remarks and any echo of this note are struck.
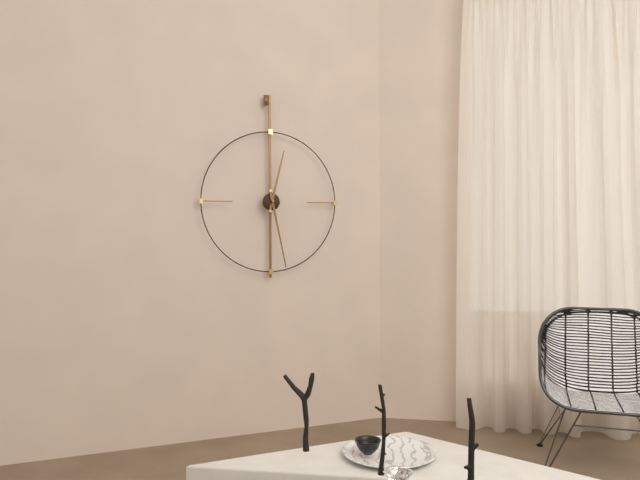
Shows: 12:28
